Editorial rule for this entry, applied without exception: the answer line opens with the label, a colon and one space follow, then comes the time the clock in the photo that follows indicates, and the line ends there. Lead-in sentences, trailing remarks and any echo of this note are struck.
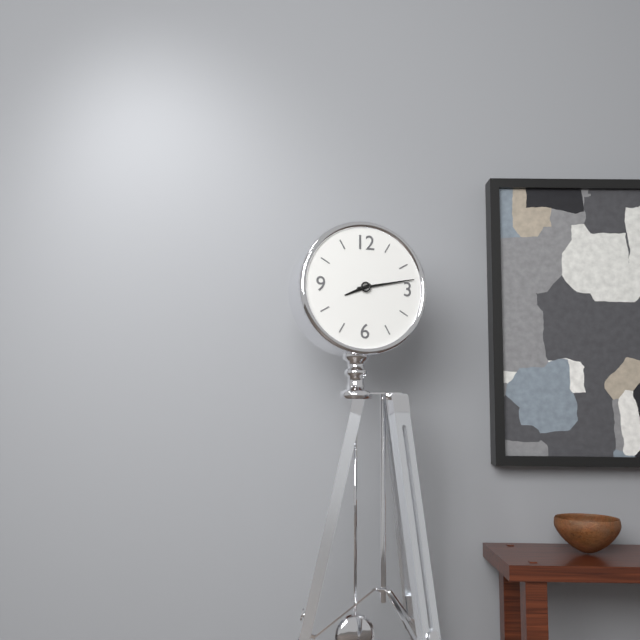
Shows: 8:13
